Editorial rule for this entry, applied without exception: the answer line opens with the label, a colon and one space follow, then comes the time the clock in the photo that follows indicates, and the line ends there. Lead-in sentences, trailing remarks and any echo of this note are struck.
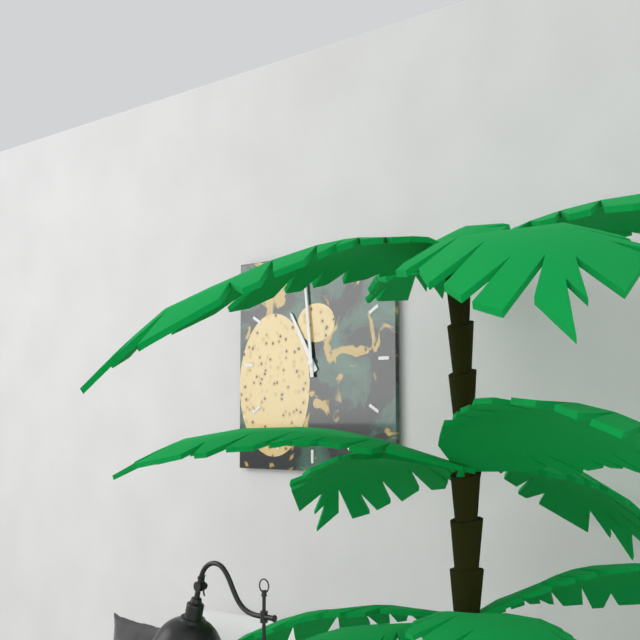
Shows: 10:59
